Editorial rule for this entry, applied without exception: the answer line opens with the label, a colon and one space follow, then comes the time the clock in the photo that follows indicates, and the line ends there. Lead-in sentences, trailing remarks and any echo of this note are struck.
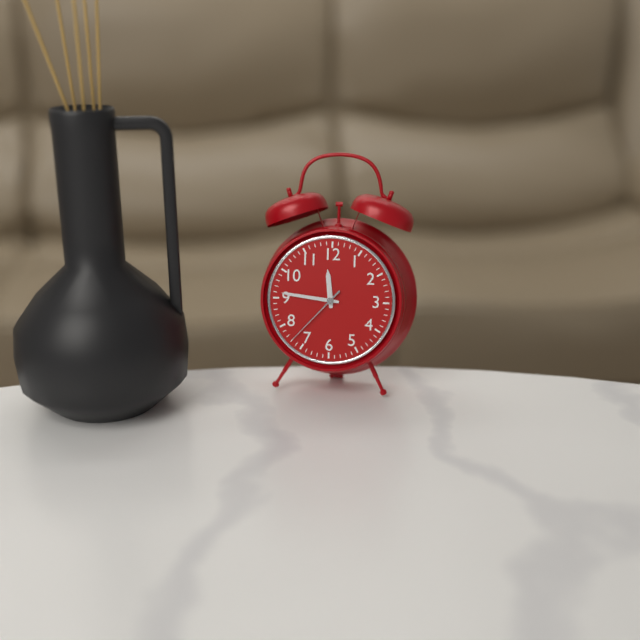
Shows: 11:46:37
